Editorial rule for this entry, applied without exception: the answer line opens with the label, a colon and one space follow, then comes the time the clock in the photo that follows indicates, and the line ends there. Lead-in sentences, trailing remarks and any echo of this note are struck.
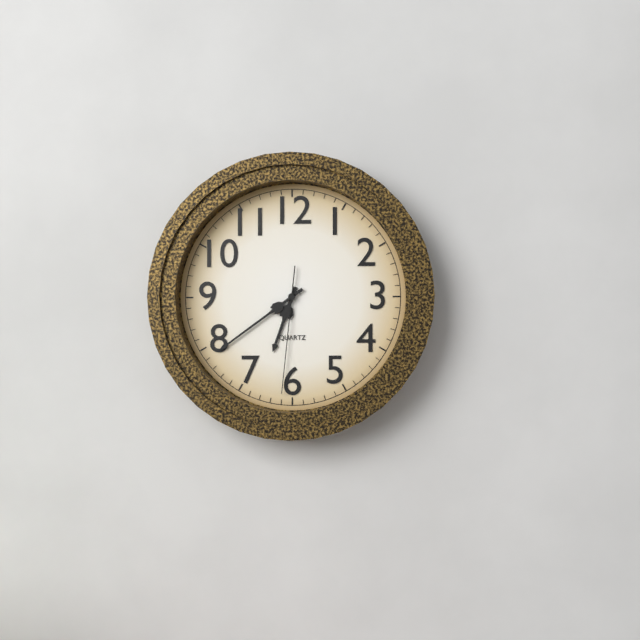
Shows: 6:39:31
